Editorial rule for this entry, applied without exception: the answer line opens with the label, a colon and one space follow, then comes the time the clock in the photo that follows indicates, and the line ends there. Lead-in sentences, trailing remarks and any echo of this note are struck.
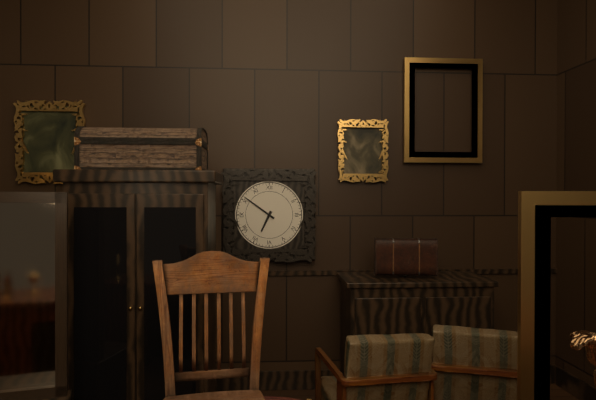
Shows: 6:51
